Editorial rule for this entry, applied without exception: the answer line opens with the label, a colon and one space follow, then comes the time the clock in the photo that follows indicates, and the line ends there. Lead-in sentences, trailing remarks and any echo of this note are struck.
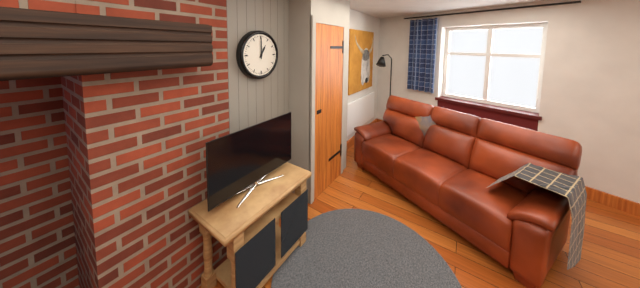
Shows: 1:00
